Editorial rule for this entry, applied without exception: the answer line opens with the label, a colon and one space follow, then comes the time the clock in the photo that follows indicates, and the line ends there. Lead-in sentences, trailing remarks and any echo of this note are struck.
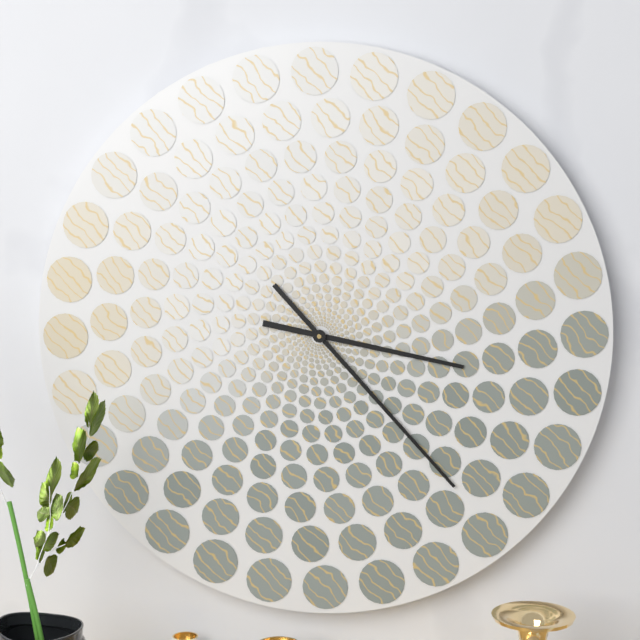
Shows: 3:23
